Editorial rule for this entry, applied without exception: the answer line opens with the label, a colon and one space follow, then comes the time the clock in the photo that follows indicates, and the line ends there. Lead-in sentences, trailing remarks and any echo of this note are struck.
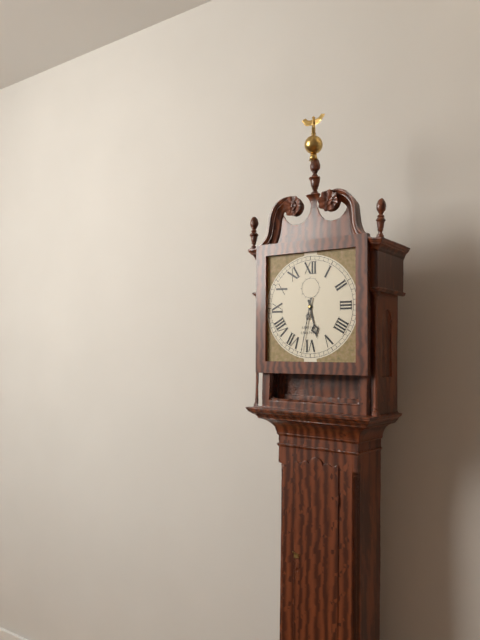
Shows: 5:32
